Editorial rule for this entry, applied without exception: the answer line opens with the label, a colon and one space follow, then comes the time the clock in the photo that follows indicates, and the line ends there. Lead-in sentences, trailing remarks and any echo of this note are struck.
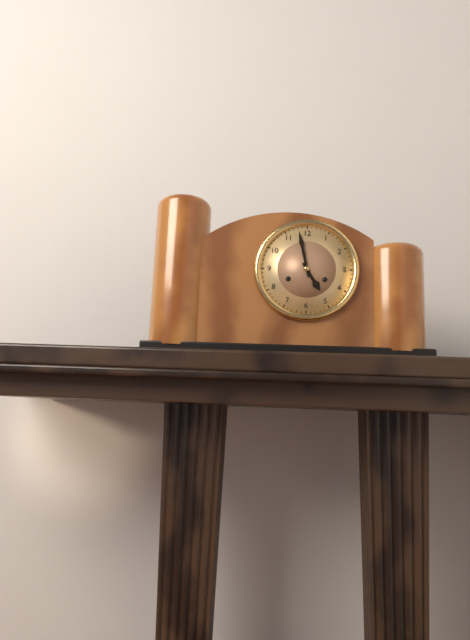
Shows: 4:58
